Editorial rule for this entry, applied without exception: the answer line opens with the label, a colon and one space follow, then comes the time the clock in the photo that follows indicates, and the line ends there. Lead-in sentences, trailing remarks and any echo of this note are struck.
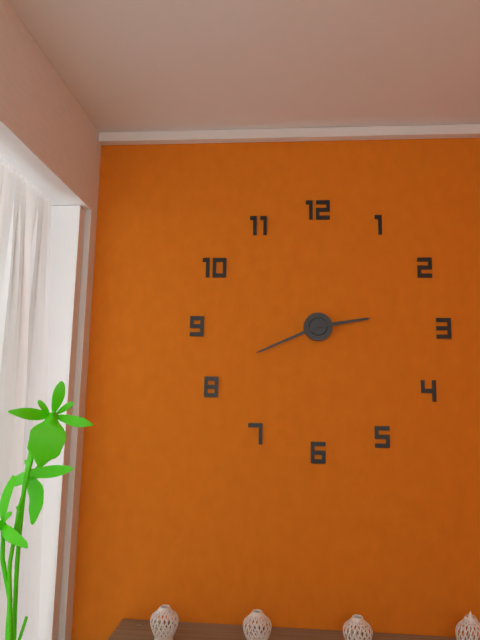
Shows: 2:41
